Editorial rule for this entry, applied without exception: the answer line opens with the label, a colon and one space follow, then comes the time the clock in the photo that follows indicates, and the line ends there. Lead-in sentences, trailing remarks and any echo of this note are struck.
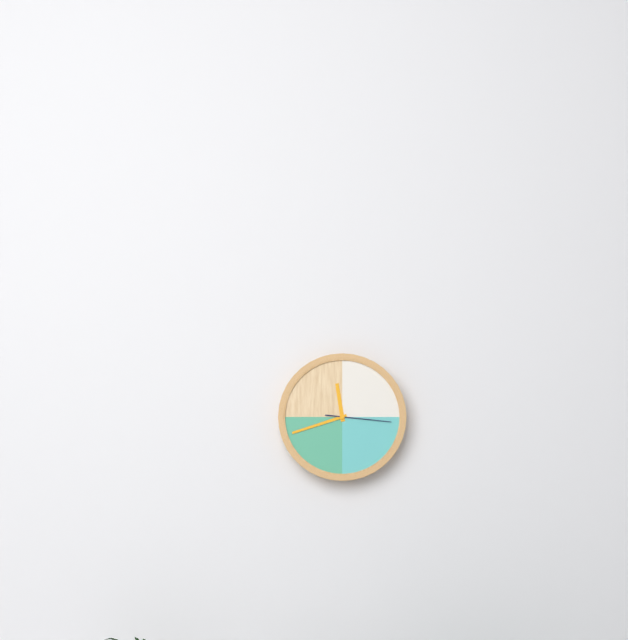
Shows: 11:42:16
